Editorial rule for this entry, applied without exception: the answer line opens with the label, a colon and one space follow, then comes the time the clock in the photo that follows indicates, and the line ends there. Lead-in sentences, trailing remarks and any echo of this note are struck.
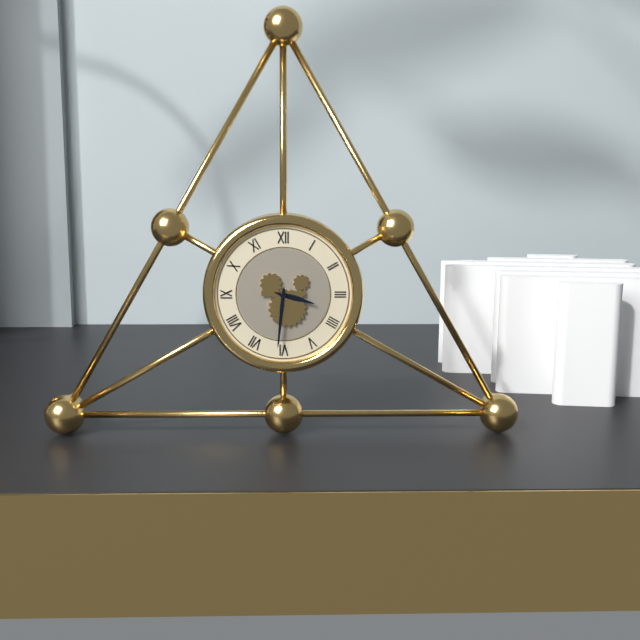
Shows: 3:31
